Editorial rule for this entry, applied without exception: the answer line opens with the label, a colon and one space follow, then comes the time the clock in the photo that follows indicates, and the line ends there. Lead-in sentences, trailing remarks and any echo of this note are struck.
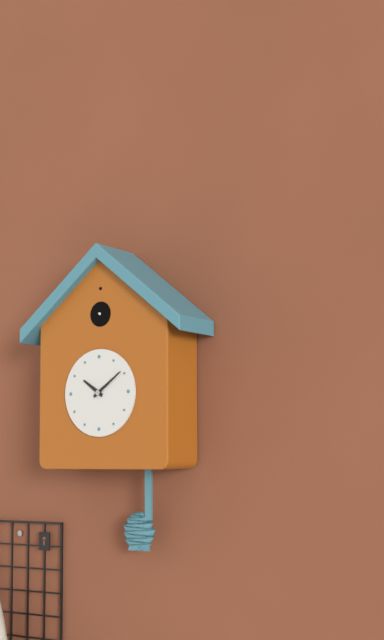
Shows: 10:09
